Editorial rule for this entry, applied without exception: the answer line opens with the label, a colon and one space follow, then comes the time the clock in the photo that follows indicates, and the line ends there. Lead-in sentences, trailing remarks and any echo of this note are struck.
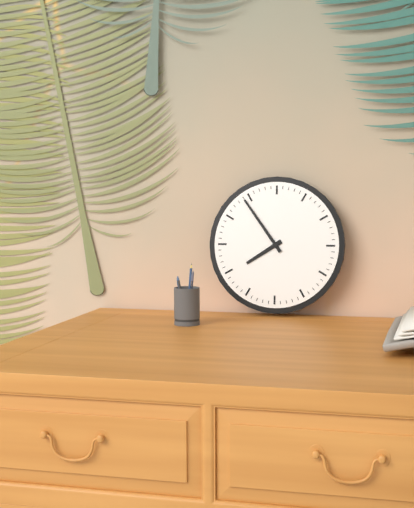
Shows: 7:54
